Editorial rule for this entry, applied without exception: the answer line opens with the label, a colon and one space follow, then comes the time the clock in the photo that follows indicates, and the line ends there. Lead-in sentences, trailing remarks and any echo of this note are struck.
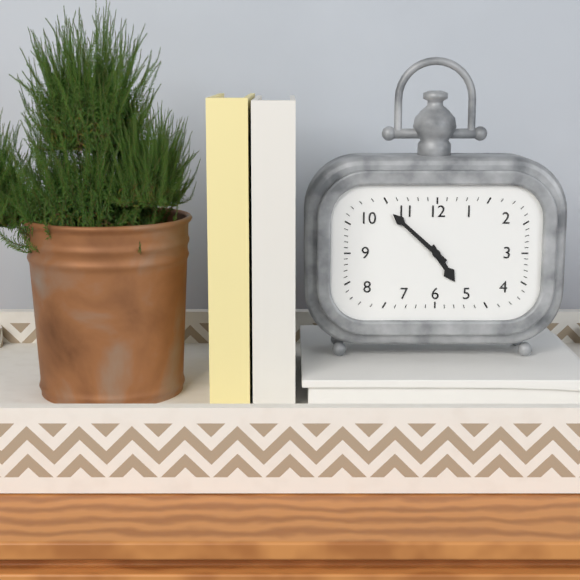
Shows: 4:52
